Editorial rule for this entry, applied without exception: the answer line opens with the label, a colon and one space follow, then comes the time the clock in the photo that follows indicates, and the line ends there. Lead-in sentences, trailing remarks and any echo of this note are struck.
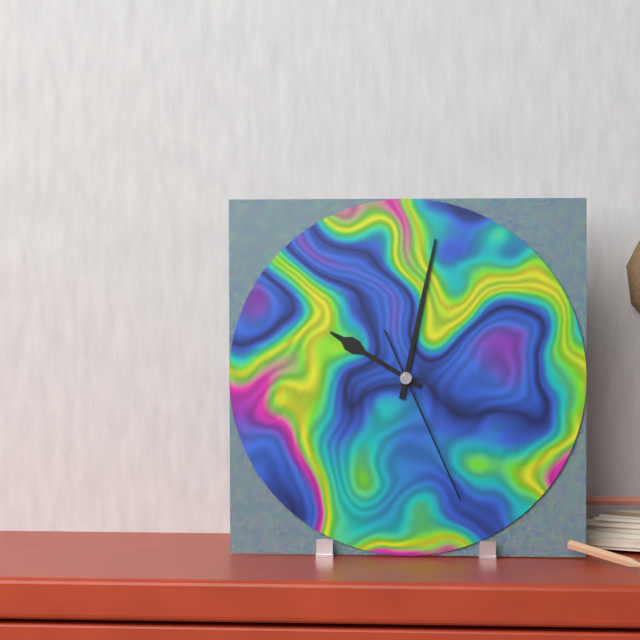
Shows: 10:02:26
